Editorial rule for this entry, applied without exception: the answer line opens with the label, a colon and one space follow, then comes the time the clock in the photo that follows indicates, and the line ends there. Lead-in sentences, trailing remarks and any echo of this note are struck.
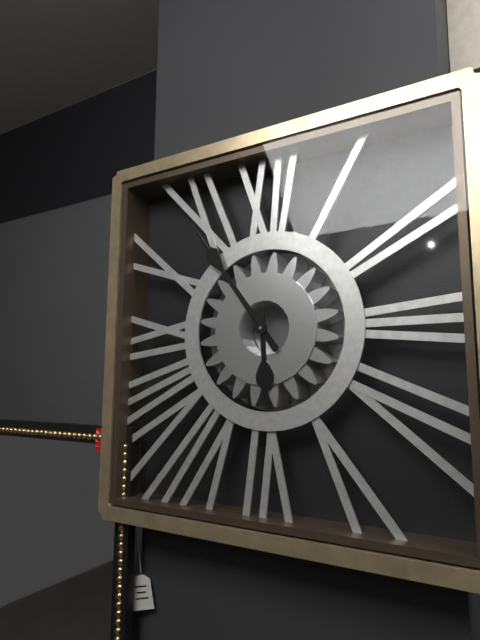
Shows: 5:54
